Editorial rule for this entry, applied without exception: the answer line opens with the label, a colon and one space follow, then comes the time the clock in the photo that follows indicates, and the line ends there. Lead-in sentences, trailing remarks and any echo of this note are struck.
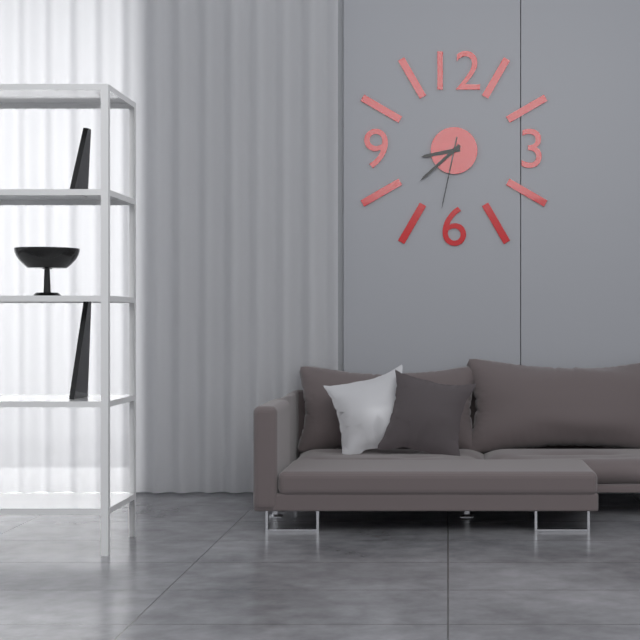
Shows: 8:38:32
